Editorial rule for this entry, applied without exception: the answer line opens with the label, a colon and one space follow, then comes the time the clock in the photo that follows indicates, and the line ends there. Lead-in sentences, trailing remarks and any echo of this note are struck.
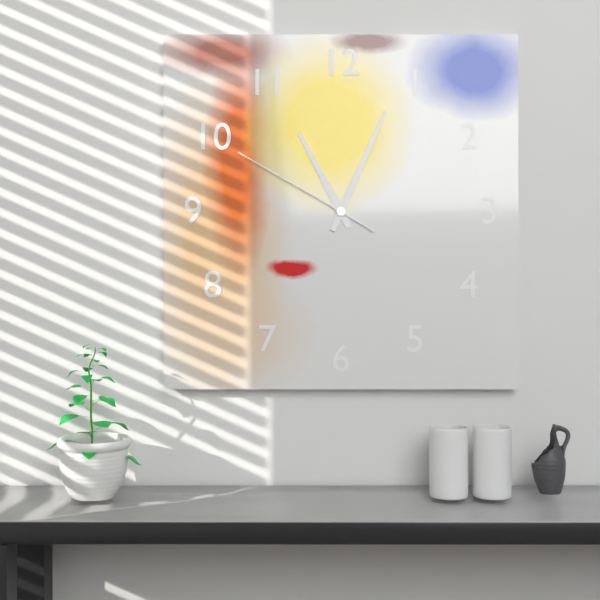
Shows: 11:04:50
